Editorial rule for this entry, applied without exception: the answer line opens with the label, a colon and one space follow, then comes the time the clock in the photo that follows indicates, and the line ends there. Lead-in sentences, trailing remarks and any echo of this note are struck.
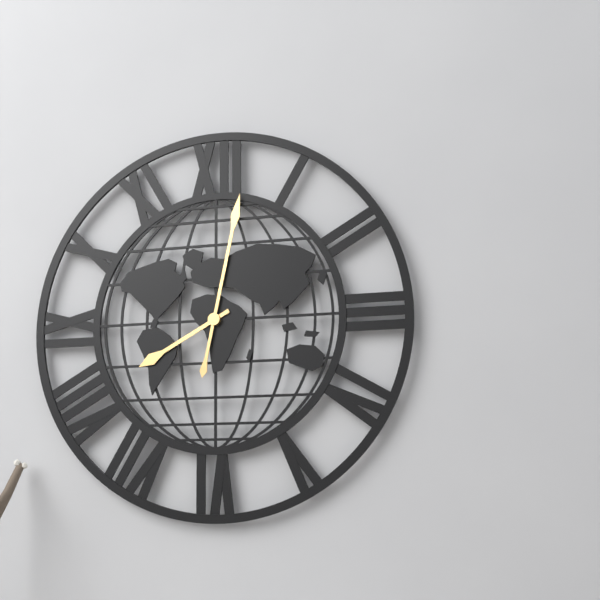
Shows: 8:02
